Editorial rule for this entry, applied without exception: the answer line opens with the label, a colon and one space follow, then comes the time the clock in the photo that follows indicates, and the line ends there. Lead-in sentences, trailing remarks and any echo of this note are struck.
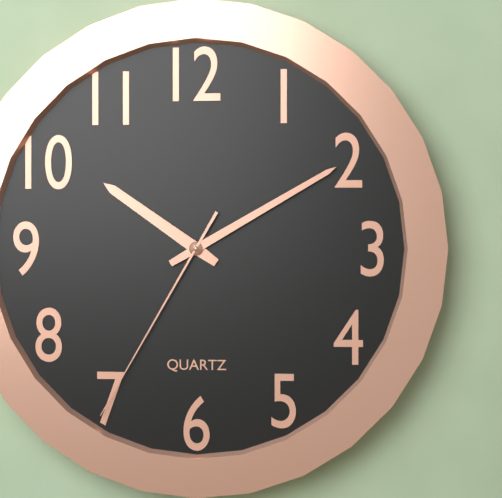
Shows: 10:10:35
